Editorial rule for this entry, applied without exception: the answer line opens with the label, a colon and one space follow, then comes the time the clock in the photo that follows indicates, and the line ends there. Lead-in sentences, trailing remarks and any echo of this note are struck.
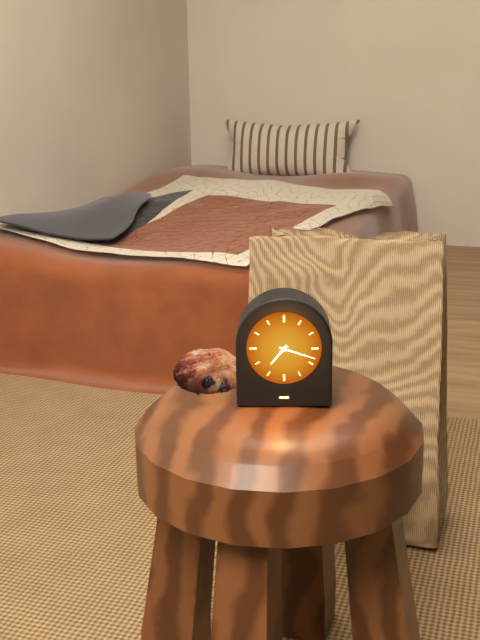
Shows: 7:18
